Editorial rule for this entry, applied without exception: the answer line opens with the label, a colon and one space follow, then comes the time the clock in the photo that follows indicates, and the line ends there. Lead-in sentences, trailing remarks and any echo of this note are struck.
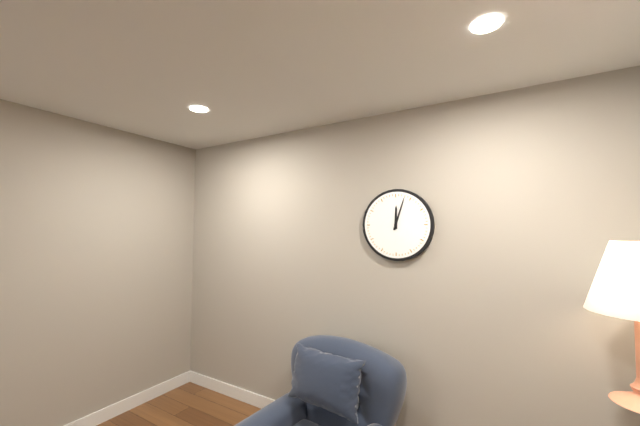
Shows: 12:03
